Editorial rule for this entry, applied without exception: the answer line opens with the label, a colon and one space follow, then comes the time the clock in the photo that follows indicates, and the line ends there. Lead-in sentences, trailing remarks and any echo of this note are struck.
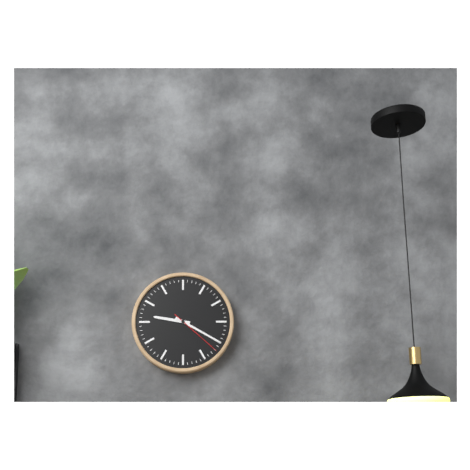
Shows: 9:20:22
